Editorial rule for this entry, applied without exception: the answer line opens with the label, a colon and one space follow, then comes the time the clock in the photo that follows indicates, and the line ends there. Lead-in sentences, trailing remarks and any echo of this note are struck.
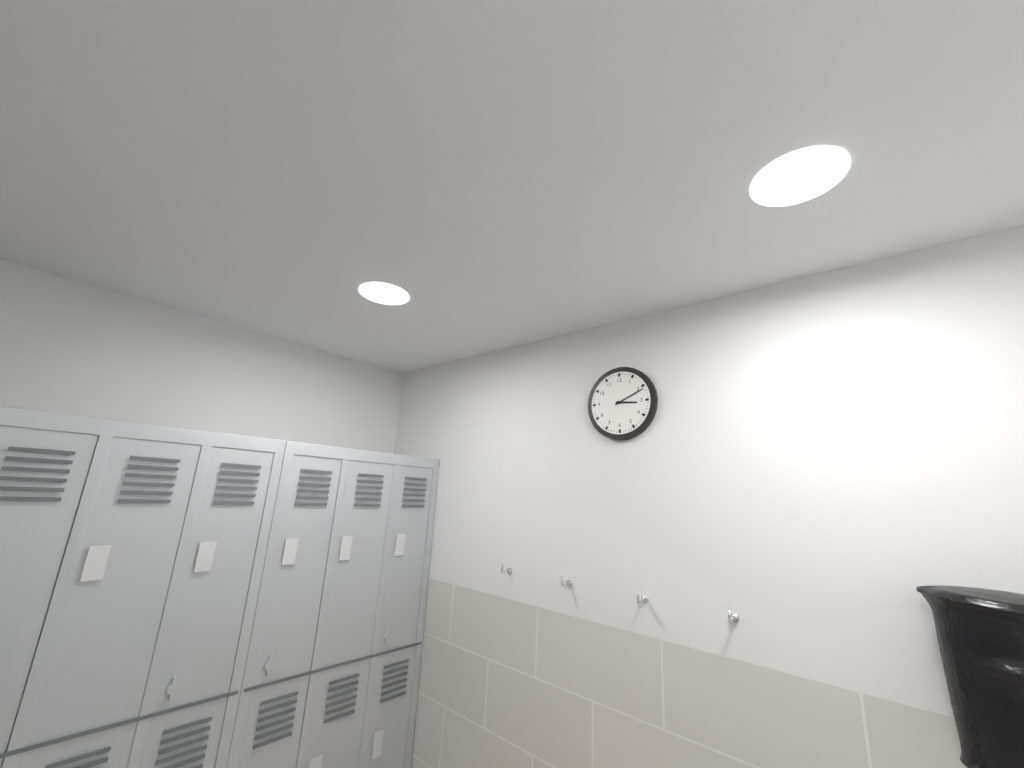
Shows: 3:11
